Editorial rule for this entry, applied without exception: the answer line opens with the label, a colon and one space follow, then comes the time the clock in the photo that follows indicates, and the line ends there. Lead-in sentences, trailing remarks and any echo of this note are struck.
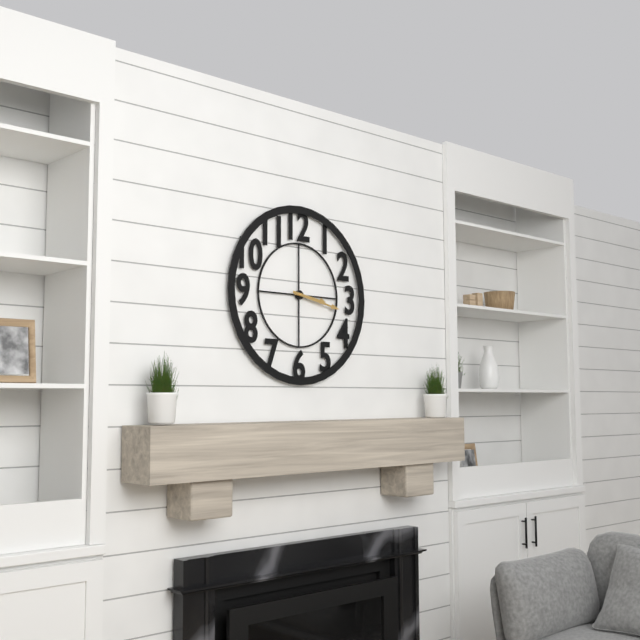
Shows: 3:17
